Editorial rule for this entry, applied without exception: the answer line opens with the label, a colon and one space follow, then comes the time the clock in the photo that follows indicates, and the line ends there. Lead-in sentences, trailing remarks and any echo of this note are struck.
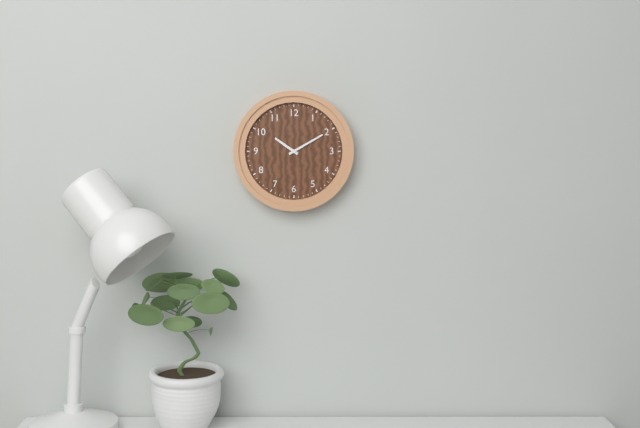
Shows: 10:10
